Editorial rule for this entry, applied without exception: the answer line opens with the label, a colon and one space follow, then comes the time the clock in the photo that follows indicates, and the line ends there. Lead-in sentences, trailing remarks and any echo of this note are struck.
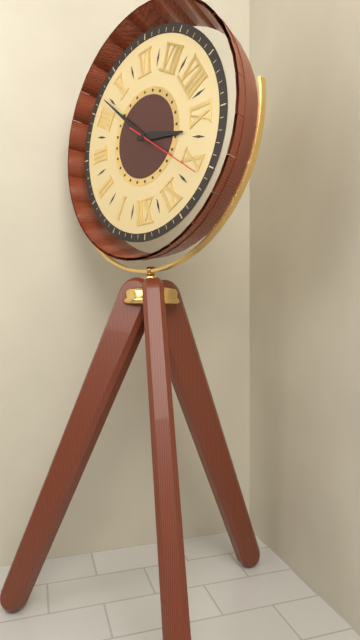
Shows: 9:22:51
